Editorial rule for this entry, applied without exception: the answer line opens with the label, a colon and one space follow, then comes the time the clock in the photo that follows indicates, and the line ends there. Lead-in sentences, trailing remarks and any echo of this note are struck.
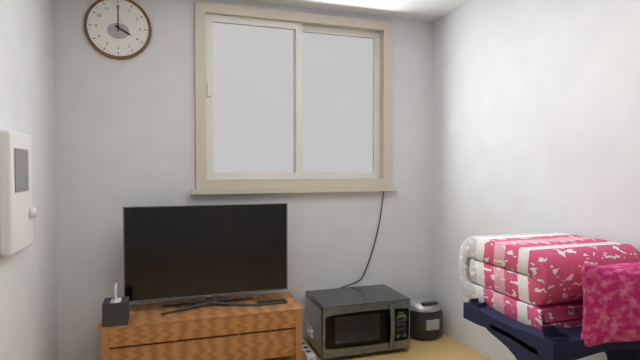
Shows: 4:00
